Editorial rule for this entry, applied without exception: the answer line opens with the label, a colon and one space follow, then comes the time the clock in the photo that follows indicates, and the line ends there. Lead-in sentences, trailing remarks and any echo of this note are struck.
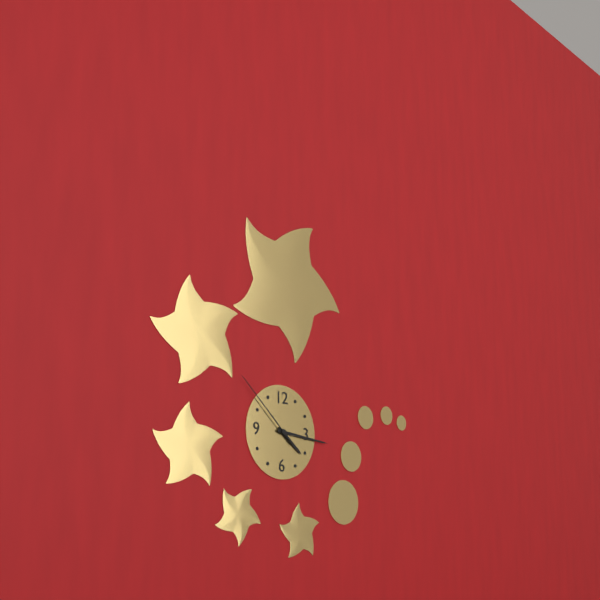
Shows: 4:16:52
